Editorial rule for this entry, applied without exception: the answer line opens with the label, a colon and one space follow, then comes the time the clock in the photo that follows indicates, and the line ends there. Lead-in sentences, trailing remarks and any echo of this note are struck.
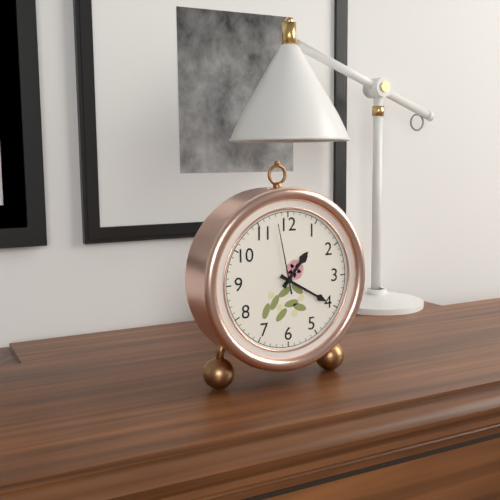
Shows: 1:20:58
